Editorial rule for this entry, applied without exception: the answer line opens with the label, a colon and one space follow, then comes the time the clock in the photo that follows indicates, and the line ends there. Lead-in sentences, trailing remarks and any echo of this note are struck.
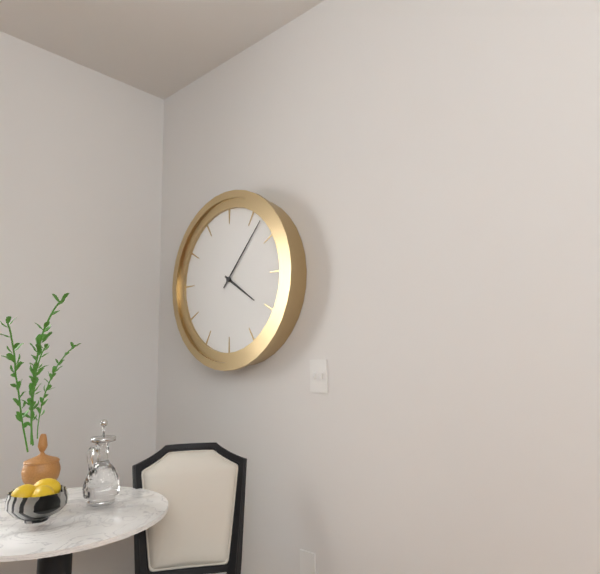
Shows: 4:07
